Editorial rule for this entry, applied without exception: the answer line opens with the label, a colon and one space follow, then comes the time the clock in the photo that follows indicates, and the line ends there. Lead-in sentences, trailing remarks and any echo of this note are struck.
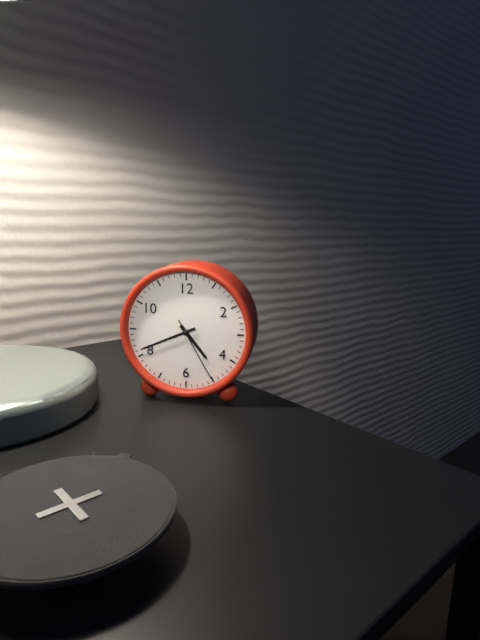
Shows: 4:41:25
